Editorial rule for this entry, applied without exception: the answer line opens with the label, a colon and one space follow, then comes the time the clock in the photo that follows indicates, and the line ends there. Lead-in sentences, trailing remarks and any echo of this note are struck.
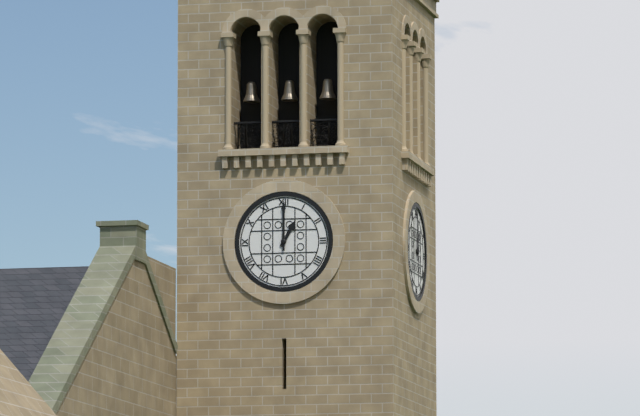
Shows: 1:00
